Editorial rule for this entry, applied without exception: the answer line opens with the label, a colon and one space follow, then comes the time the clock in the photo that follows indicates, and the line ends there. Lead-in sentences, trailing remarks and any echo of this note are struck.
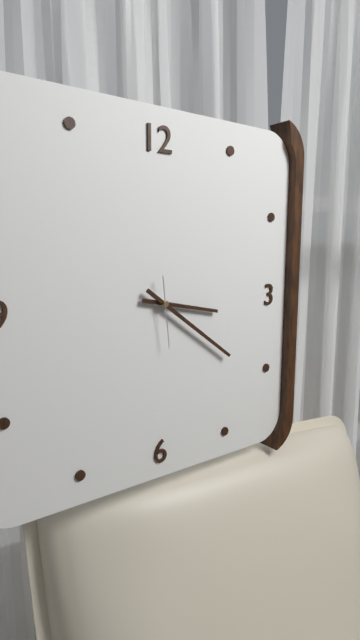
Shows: 3:21:29
